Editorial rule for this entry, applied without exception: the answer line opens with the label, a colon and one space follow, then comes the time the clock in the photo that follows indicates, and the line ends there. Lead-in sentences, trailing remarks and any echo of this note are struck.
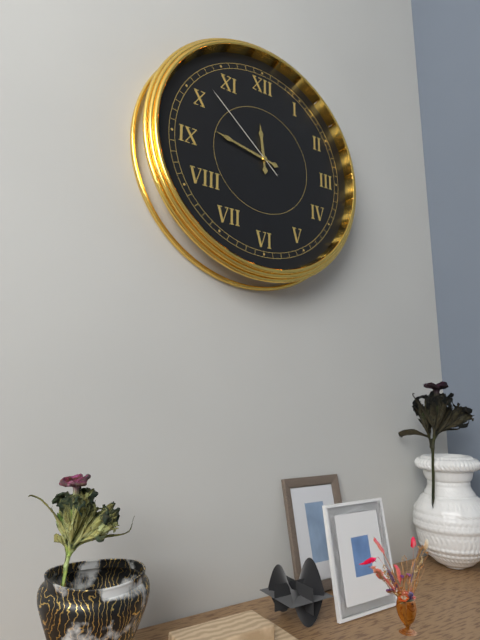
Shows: 11:47:52
